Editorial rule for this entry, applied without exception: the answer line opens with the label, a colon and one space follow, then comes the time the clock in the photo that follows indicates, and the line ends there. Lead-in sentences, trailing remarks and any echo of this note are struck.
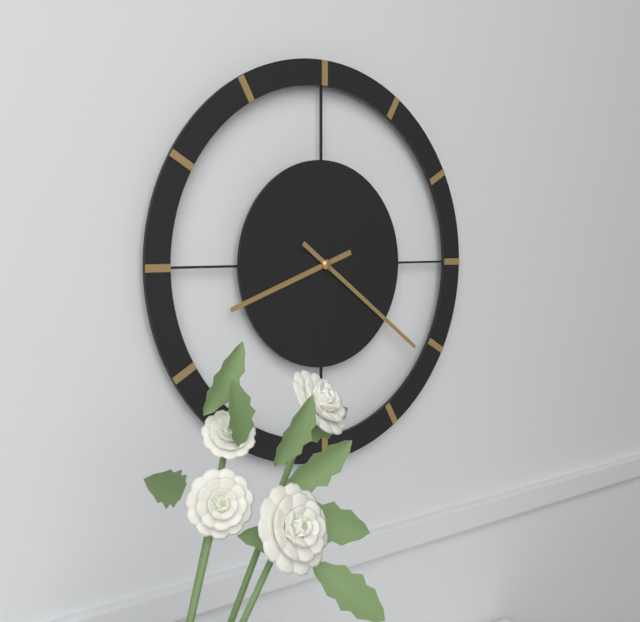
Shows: 8:21
